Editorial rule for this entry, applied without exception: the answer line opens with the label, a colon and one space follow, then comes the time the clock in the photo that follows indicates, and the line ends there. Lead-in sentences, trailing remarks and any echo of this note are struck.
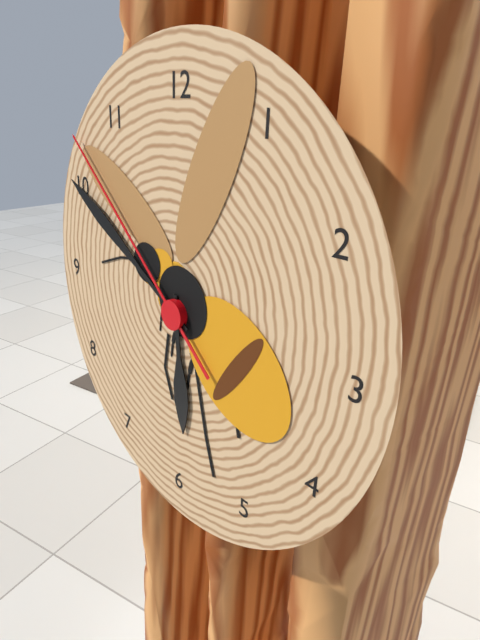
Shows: 5:50:52
